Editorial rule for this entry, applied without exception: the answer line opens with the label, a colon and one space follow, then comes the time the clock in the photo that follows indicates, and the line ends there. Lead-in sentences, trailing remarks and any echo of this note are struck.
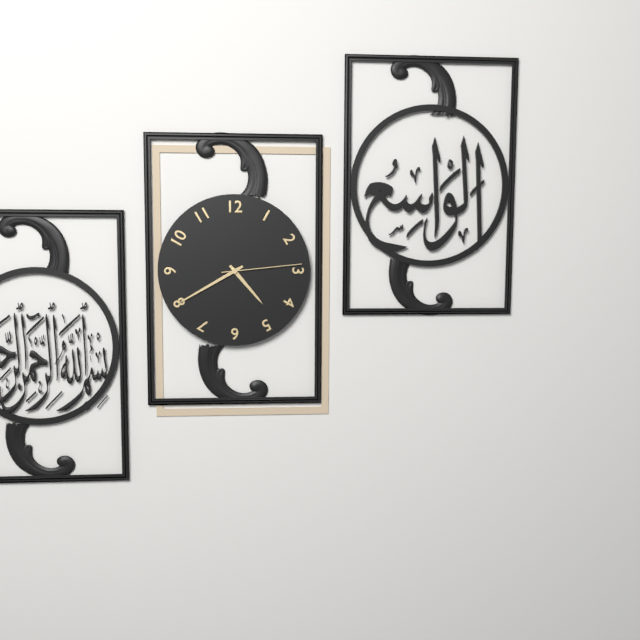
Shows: 4:40:14
